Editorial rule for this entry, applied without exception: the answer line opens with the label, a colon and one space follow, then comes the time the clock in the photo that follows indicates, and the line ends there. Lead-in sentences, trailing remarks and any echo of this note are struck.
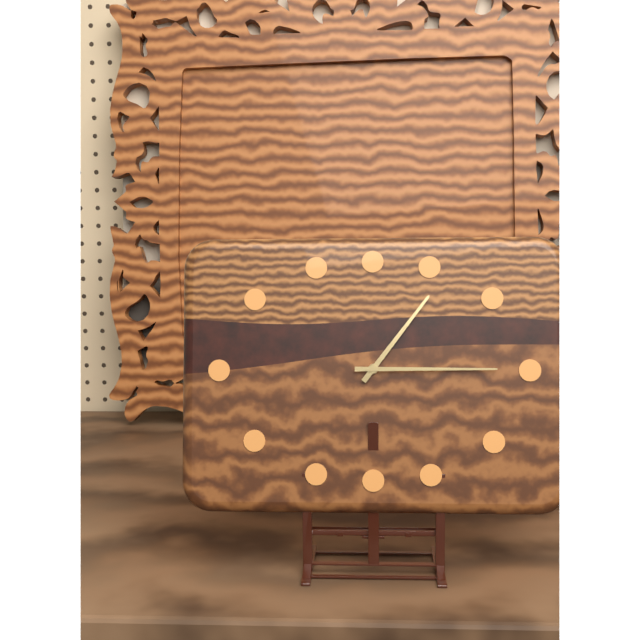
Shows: 1:15
